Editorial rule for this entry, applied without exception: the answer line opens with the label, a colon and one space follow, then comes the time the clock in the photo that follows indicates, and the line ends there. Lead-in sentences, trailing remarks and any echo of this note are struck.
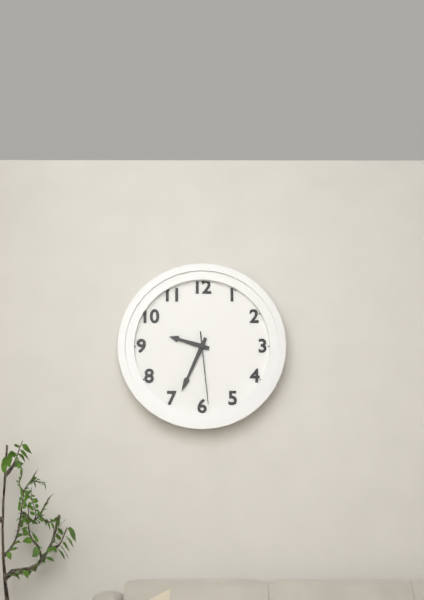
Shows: 9:34:29
